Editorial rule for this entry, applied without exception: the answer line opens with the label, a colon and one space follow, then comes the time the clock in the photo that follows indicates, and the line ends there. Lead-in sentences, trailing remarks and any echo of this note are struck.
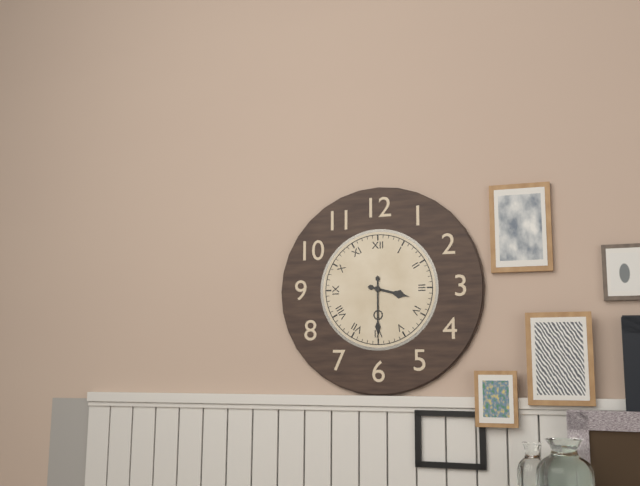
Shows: 3:30
